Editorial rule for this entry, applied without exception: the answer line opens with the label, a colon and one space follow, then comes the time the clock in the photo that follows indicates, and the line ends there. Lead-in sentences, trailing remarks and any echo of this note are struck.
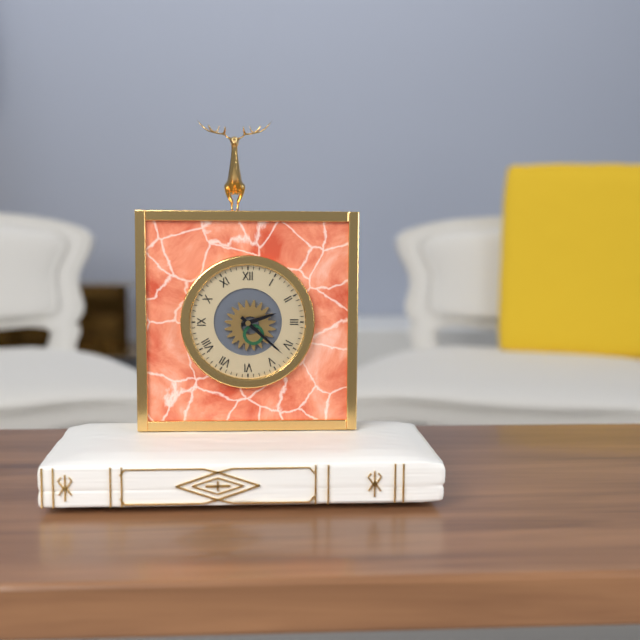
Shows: 2:22
